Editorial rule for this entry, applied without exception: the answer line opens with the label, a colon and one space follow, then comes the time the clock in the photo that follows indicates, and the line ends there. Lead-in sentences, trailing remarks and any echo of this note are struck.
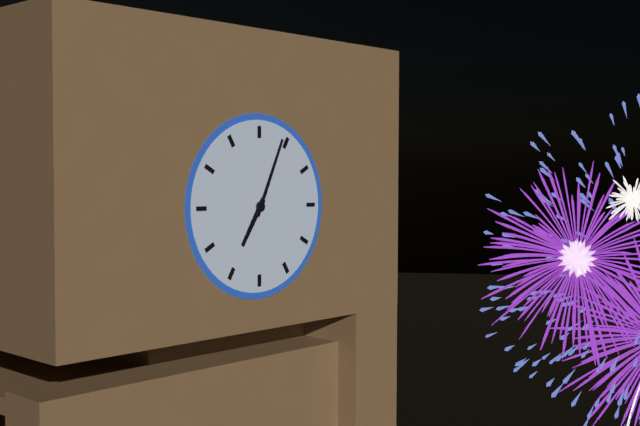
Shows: 7:04
